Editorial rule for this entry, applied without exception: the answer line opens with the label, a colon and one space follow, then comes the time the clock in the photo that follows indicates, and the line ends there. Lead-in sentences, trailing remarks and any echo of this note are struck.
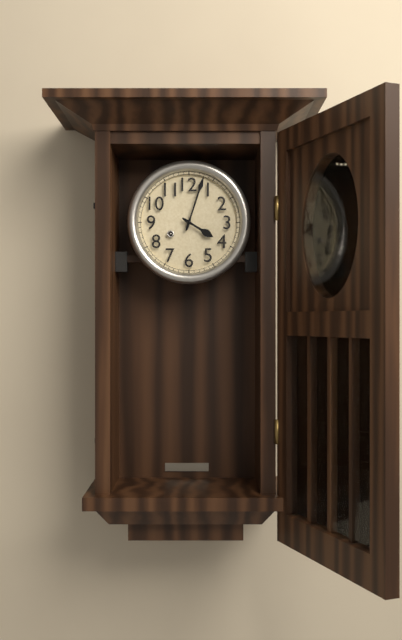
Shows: 4:03
